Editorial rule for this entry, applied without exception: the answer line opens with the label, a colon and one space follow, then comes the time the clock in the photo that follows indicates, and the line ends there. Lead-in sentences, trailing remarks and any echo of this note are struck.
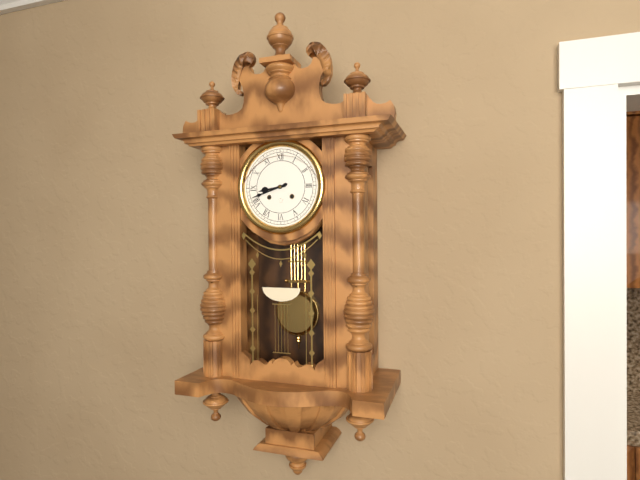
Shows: 8:42
